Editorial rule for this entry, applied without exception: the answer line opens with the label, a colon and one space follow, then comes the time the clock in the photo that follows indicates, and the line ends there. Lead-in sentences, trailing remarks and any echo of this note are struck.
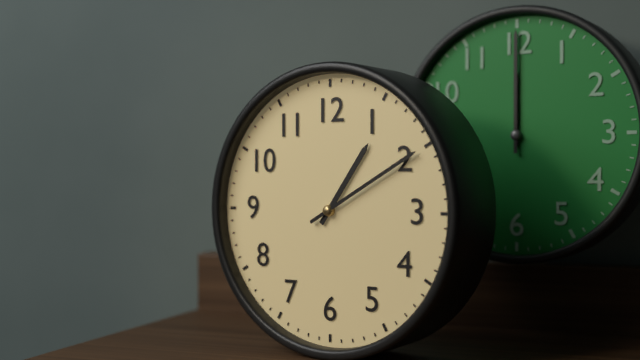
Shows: 1:10
